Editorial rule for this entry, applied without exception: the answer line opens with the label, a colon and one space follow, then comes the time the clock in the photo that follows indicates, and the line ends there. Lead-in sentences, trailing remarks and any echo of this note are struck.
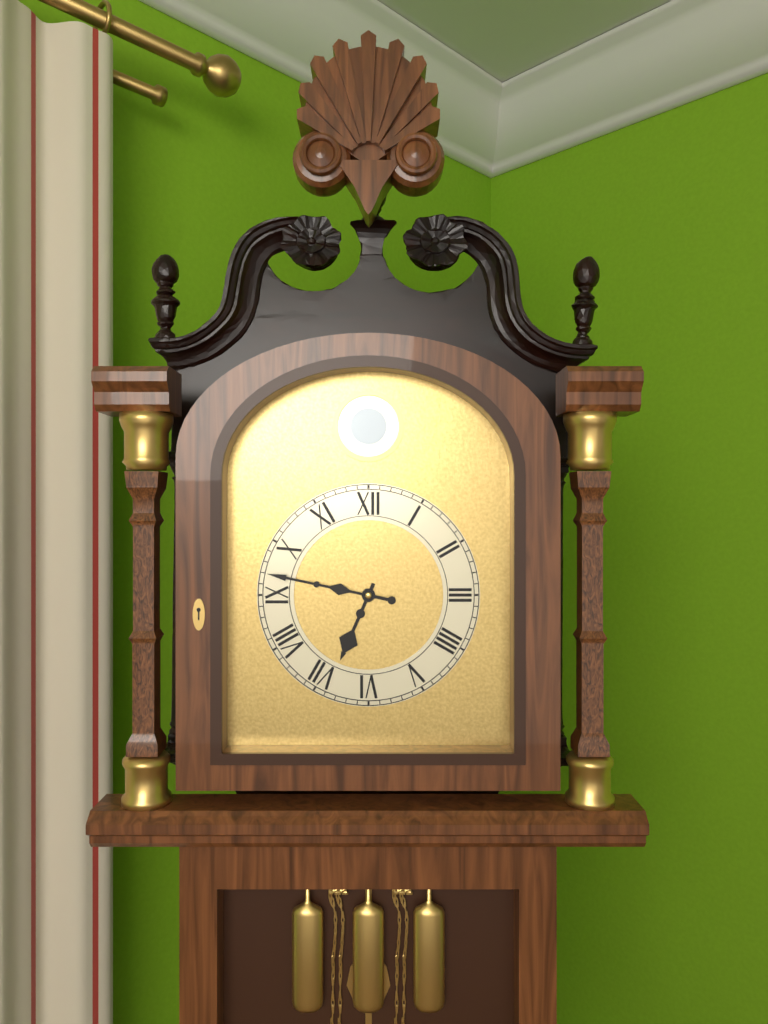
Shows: 6:47
